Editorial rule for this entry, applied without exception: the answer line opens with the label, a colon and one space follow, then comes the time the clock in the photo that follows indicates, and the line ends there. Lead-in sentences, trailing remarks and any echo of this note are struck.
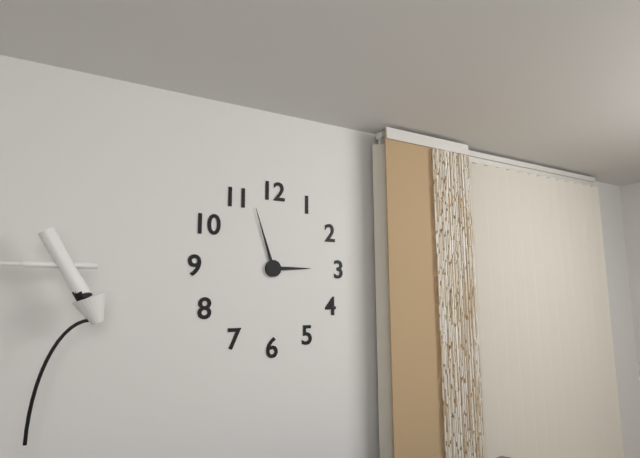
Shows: 2:57
